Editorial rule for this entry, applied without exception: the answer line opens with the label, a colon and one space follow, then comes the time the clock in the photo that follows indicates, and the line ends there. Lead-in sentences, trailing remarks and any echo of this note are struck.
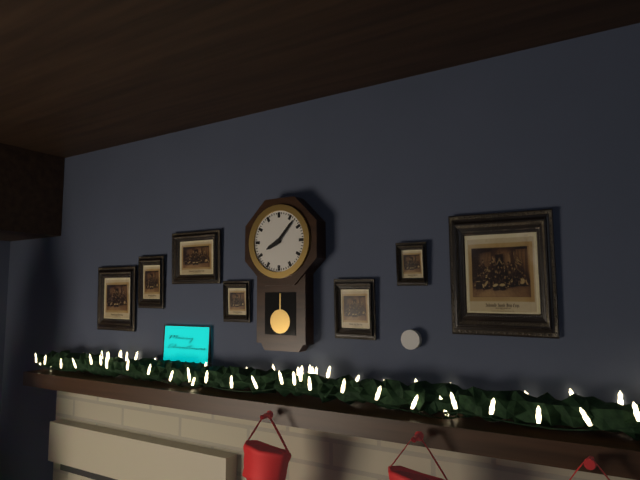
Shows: 8:07
